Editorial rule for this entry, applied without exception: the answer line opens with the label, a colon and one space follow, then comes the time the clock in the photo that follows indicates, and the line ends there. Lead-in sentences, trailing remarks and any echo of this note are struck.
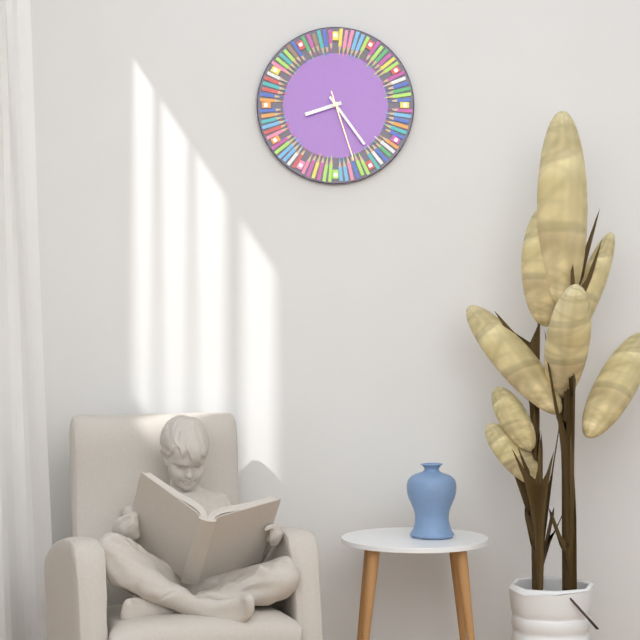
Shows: 8:24:27
